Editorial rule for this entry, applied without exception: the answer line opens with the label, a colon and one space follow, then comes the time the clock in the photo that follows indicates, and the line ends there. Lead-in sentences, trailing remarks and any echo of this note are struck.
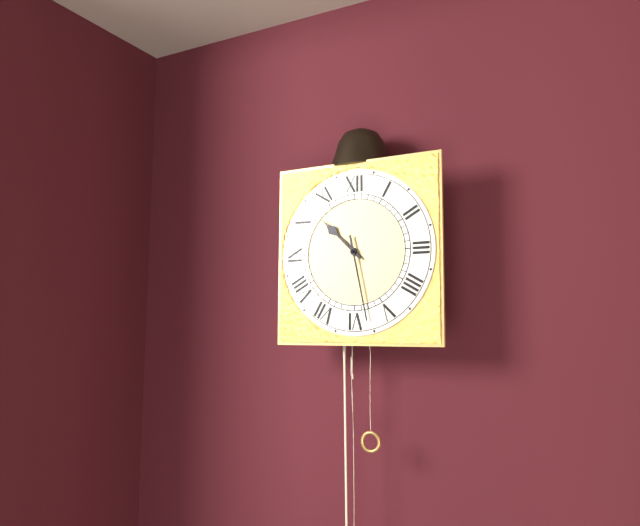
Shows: 10:28
